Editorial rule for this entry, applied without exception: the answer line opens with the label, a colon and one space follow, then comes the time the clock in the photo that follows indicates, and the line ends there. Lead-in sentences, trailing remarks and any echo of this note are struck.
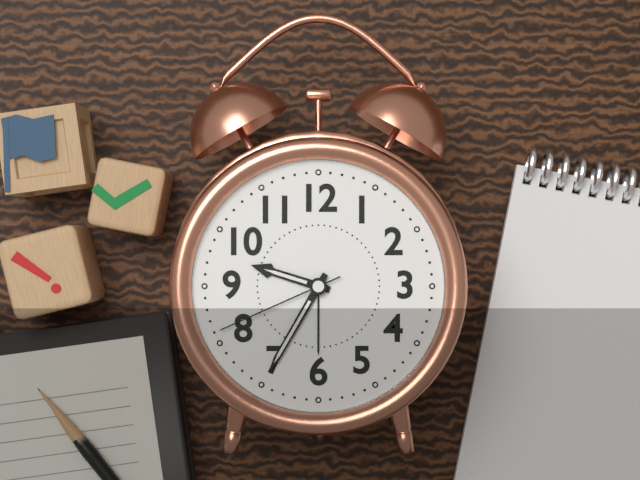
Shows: 9:35:41
